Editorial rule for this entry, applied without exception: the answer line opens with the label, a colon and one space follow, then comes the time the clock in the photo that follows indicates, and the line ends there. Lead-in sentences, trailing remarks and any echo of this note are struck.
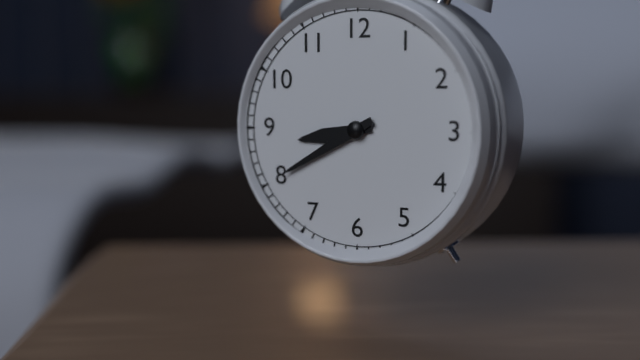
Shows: 8:40
